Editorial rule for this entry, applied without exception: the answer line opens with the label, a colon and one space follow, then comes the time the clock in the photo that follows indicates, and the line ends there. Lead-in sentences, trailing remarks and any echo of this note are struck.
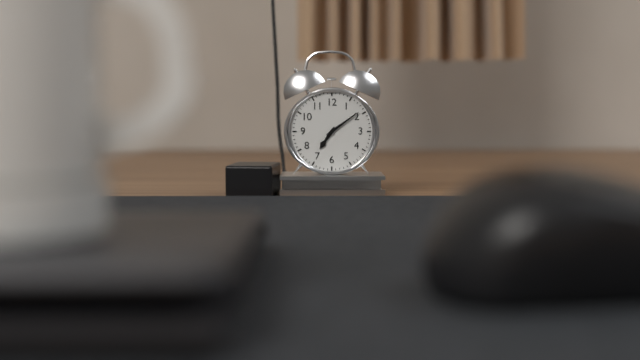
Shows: 7:09
